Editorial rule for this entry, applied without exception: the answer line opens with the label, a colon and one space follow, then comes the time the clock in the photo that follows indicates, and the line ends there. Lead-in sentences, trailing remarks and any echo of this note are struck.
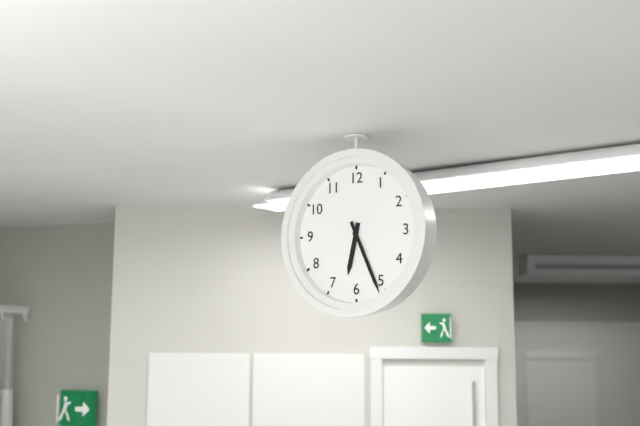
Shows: 6:26
